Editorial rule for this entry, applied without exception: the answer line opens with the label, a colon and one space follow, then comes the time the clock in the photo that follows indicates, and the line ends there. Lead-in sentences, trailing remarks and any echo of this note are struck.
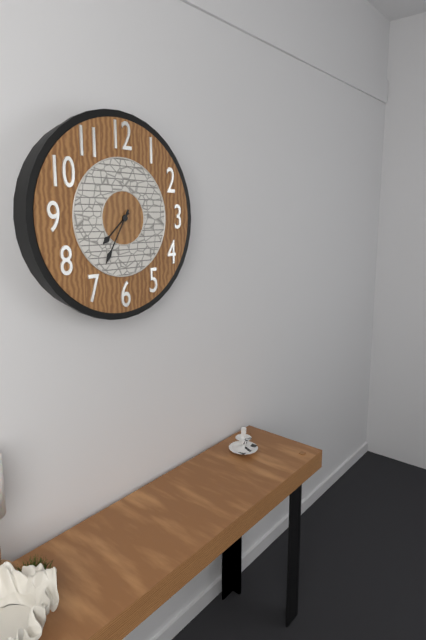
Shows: 7:35
